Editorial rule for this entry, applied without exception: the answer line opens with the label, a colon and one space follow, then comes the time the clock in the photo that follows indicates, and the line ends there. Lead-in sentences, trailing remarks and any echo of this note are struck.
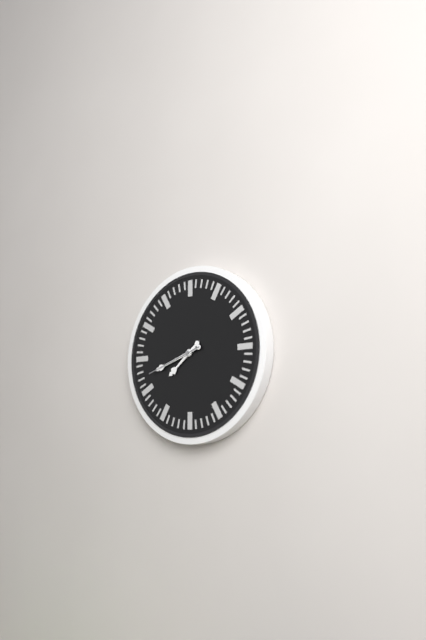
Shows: 7:42:42
